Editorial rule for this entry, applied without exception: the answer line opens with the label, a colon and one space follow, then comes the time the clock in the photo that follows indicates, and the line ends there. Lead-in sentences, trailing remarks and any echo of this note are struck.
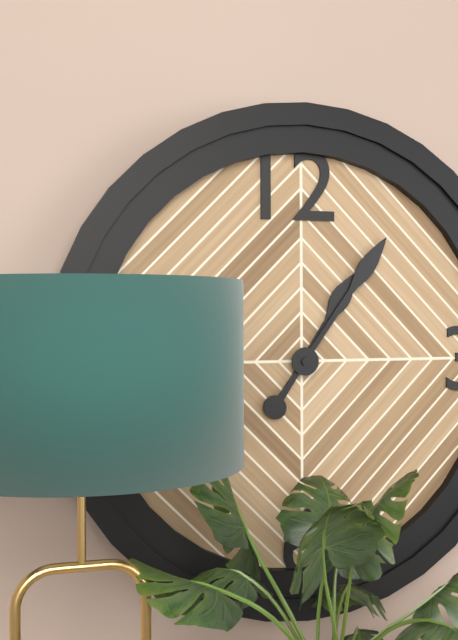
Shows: 1:06
